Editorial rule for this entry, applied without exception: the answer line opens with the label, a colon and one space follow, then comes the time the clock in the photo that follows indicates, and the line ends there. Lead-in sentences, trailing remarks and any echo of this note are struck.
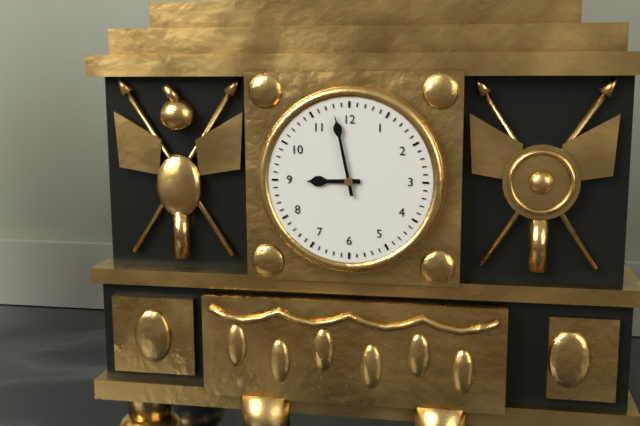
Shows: 8:58
